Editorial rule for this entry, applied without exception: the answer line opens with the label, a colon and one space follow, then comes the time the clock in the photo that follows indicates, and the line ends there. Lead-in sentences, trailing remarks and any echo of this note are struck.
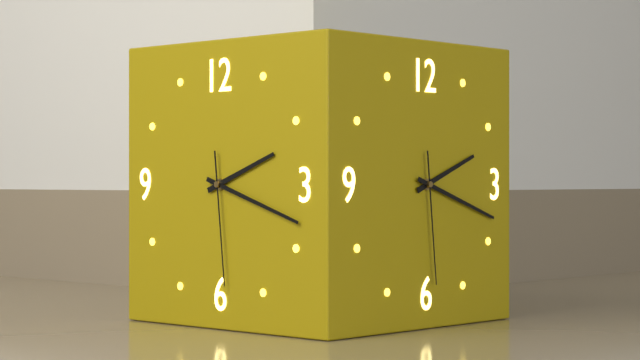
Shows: 2:18:29
